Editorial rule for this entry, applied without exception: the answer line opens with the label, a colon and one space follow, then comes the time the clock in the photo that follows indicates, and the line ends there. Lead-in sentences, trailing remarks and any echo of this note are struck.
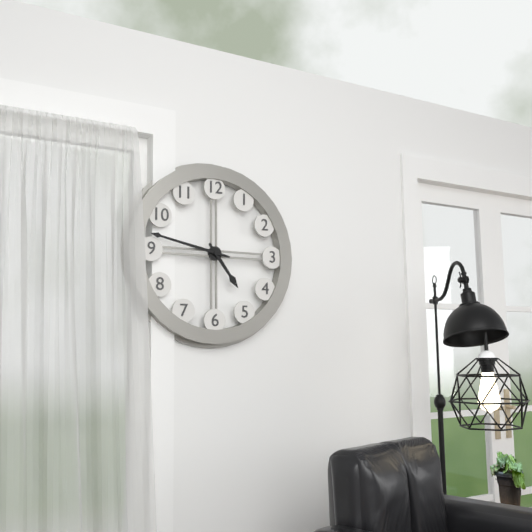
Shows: 4:47
